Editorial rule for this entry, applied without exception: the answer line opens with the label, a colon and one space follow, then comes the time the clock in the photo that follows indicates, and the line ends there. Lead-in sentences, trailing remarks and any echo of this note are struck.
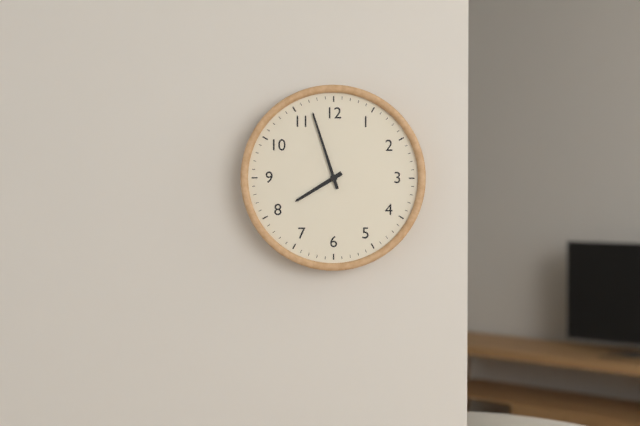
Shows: 7:57
